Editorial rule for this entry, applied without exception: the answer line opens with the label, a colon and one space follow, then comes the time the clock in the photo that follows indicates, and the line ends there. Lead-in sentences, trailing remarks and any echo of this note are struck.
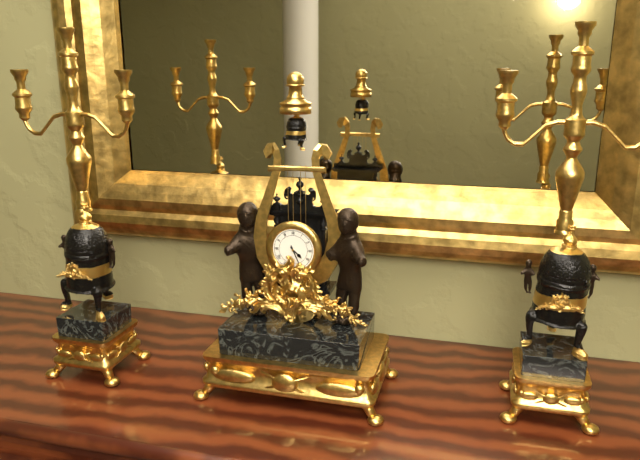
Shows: 4:26
